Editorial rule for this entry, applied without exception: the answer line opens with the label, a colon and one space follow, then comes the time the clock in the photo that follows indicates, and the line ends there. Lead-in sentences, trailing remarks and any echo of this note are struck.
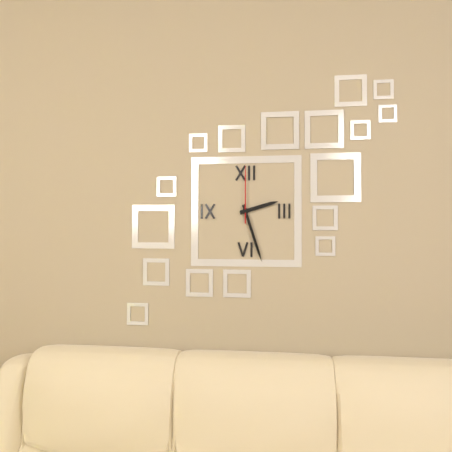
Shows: 2:27:00
